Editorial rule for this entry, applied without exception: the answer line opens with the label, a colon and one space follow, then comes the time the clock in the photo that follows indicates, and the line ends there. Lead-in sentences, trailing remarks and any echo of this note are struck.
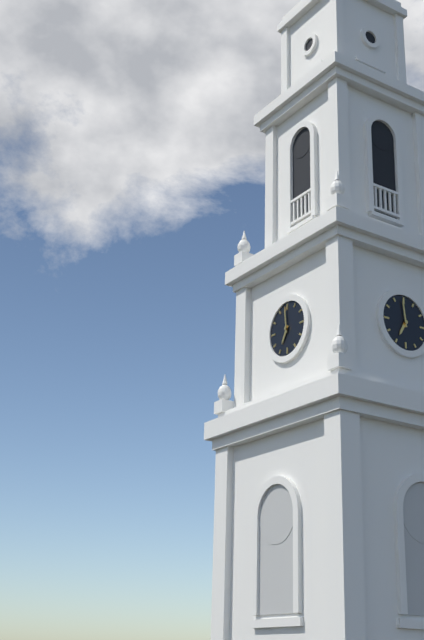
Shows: 6:59
